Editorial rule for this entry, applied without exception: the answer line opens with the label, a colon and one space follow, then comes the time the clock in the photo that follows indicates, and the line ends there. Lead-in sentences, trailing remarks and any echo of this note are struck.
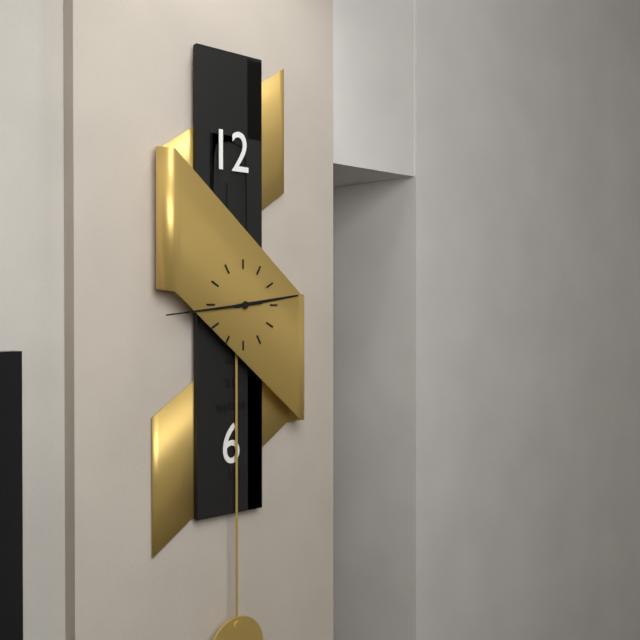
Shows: 2:44
